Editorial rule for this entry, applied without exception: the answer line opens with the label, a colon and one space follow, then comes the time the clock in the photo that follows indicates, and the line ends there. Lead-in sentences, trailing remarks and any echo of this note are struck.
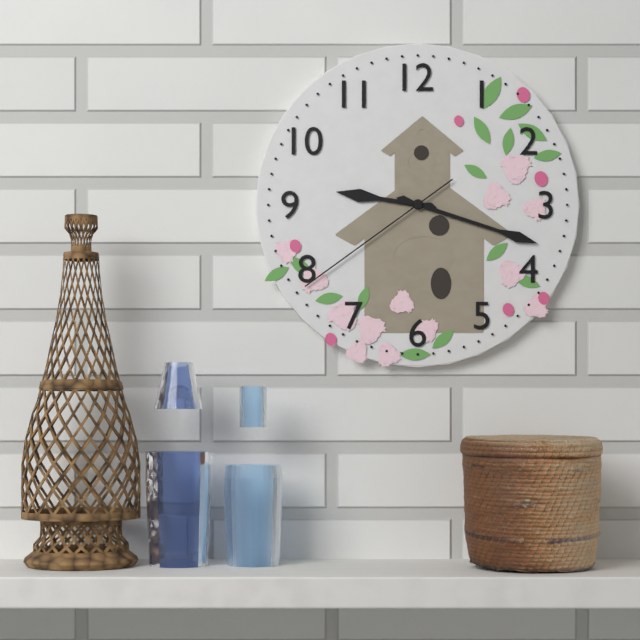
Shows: 9:18:39
